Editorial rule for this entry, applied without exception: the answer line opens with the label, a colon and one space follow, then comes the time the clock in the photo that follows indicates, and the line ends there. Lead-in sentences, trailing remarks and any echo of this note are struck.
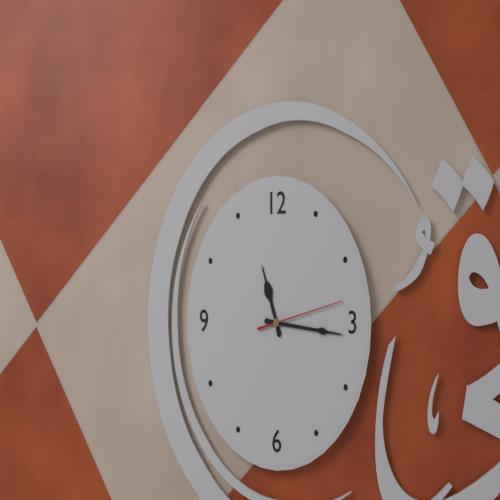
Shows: 11:16:13
